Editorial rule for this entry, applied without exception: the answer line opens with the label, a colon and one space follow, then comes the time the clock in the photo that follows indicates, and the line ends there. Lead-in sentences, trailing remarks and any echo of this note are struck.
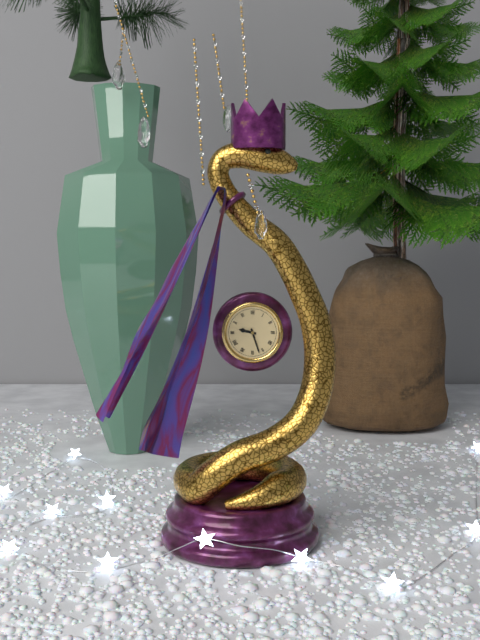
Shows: 9:27
